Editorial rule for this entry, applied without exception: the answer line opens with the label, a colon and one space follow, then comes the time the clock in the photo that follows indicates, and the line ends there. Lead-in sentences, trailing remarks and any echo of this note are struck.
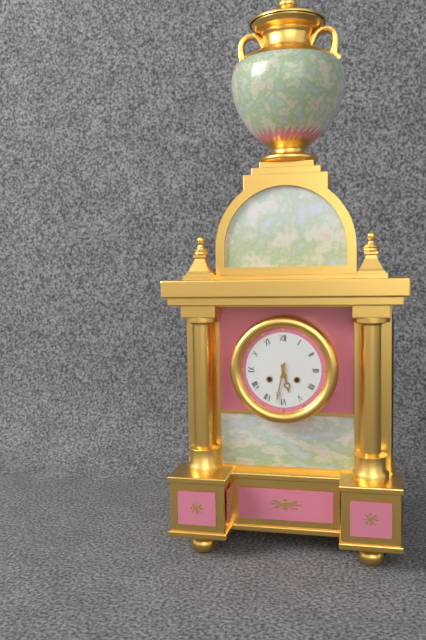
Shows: 5:32
